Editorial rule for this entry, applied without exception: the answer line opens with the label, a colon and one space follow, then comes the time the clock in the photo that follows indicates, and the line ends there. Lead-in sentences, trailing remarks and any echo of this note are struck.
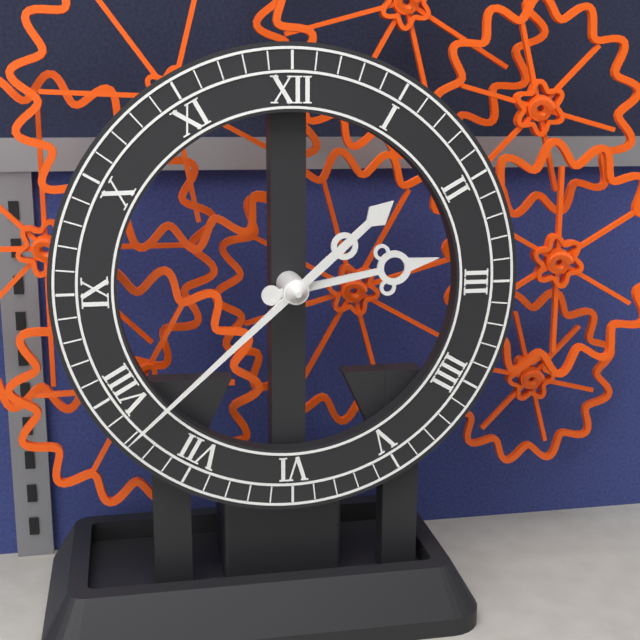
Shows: 2:38
